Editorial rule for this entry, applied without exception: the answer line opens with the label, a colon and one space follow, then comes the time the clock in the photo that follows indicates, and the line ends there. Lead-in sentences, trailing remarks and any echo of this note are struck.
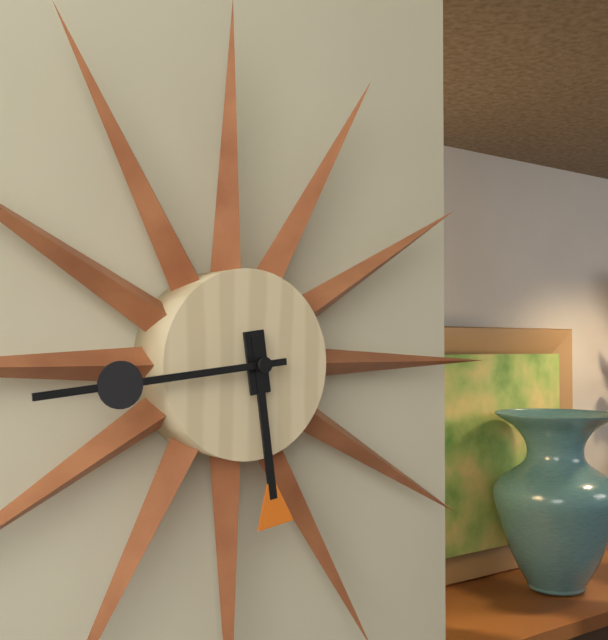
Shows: 5:44
